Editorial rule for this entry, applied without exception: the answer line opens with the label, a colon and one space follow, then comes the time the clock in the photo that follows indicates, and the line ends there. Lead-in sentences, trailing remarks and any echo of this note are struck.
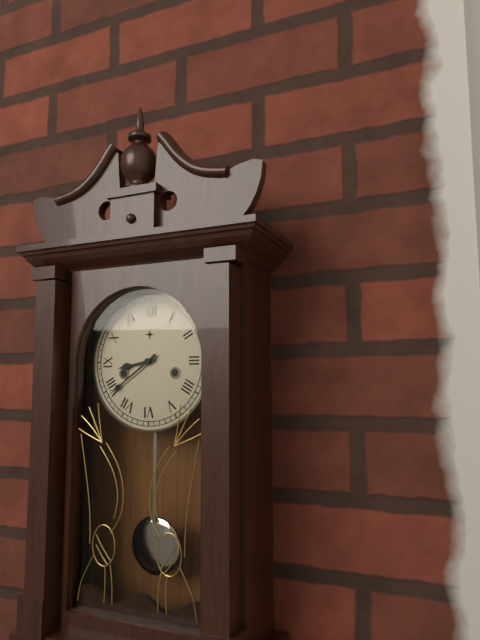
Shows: 8:39
